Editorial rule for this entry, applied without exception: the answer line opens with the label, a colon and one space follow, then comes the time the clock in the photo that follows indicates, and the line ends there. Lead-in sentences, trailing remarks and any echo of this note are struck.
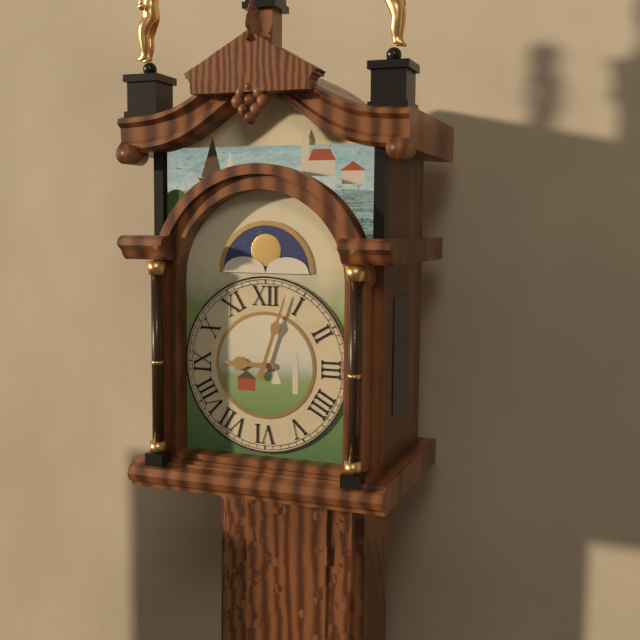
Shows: 9:03
